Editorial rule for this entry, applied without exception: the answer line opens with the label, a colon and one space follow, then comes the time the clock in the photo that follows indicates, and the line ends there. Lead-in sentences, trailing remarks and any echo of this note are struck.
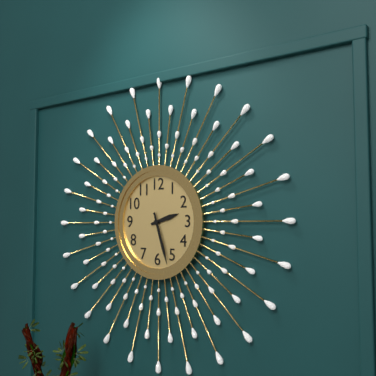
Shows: 2:27
